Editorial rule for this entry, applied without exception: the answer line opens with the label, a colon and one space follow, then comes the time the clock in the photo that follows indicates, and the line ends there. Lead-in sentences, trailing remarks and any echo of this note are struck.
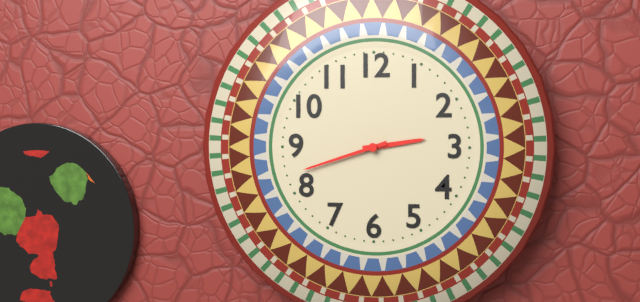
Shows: 2:42
